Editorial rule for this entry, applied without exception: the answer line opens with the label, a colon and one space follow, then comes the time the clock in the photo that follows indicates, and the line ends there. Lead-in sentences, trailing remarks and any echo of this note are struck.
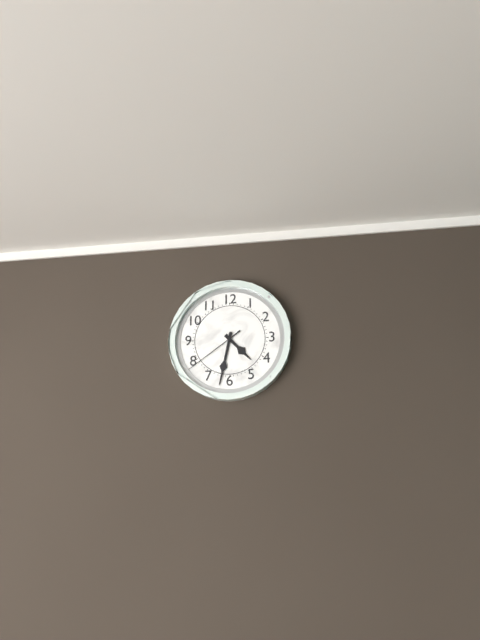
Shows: 4:32:39
